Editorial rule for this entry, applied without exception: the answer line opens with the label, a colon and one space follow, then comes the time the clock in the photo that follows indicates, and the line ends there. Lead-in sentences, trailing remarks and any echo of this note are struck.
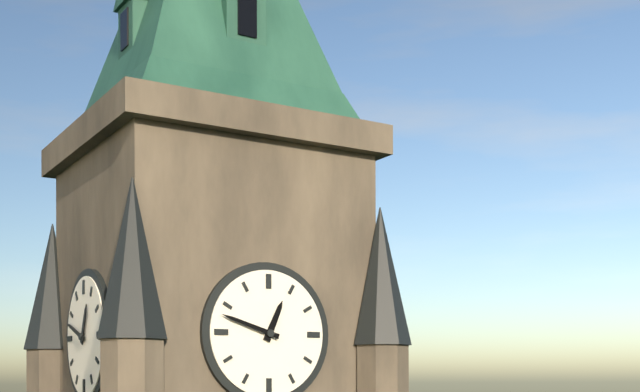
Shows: 12:48
